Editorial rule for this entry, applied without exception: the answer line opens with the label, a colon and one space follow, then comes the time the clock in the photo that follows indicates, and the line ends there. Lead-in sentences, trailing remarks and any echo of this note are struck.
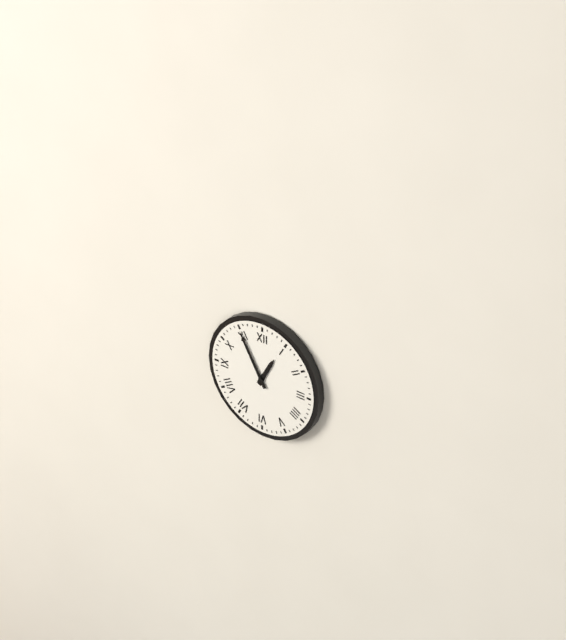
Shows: 12:55
